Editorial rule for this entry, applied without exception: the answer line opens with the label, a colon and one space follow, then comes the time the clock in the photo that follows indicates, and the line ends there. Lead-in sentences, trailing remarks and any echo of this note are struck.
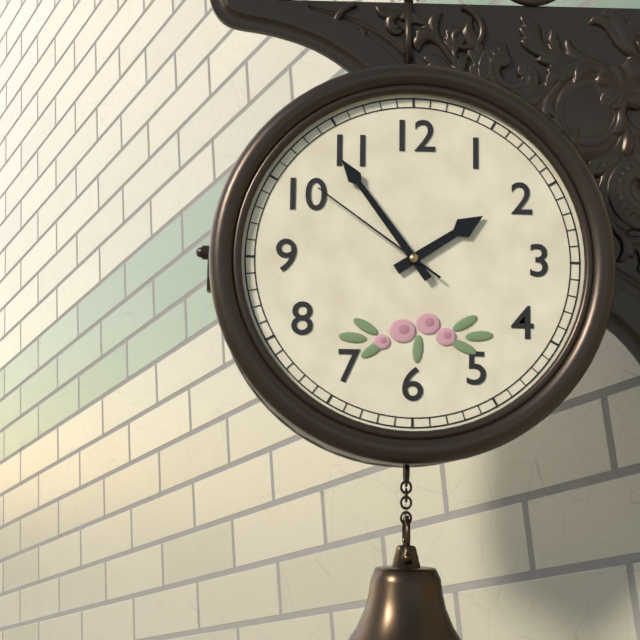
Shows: 1:54:51
